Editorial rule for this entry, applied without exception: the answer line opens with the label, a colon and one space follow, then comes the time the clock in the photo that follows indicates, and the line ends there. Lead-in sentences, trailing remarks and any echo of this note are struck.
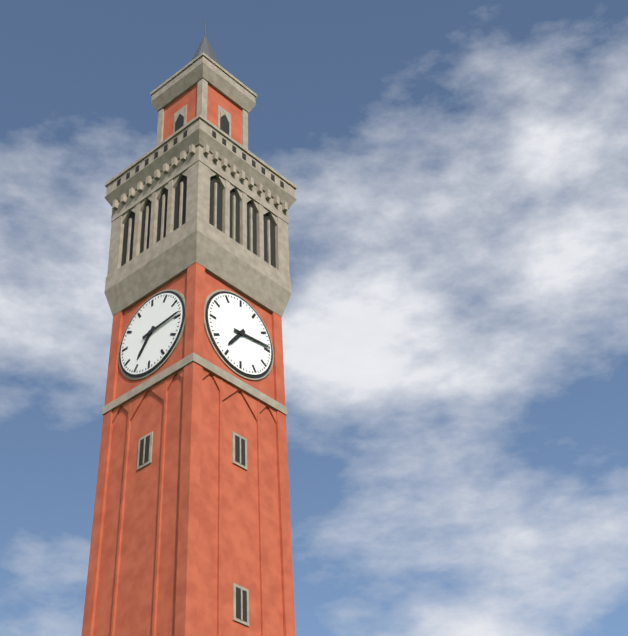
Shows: 7:14
